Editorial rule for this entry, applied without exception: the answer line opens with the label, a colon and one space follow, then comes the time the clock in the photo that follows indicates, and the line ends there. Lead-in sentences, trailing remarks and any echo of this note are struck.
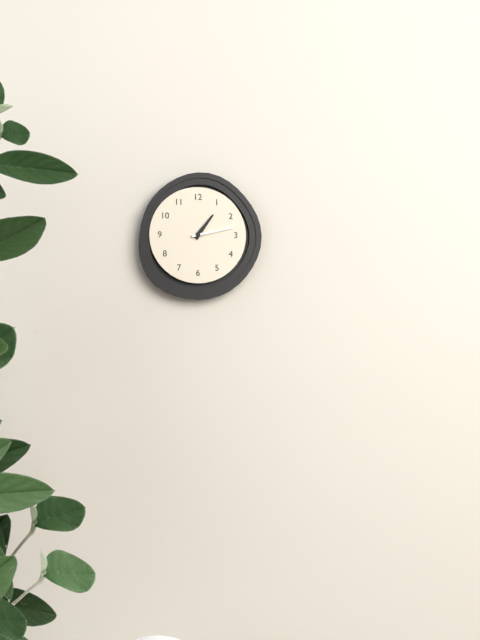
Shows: 1:13
